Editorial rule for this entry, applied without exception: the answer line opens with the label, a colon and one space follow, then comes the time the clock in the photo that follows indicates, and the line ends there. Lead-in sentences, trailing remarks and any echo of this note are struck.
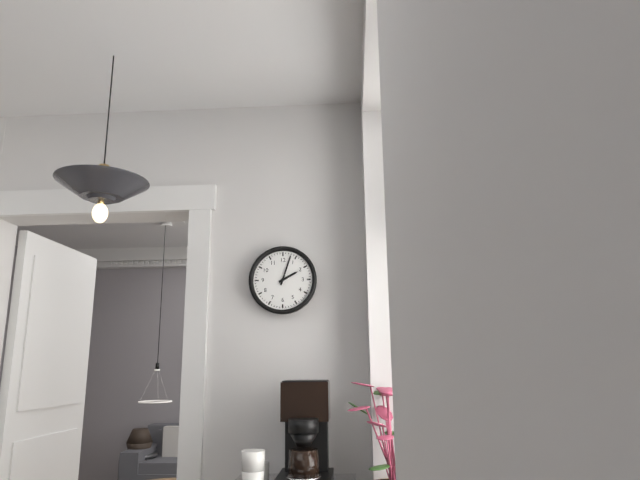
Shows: 2:03
